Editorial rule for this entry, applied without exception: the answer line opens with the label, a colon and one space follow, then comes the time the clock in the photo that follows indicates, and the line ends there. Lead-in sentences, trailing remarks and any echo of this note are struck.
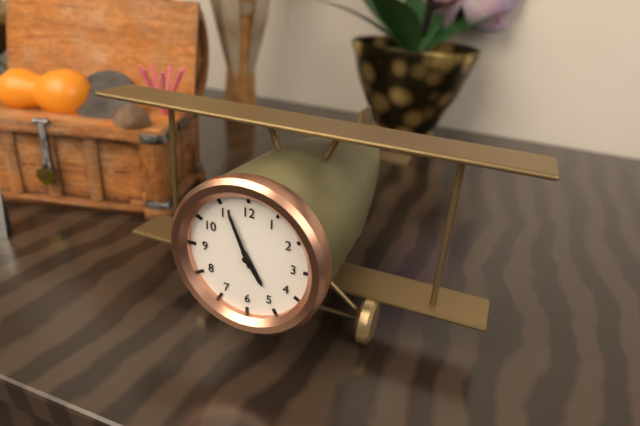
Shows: 4:56
